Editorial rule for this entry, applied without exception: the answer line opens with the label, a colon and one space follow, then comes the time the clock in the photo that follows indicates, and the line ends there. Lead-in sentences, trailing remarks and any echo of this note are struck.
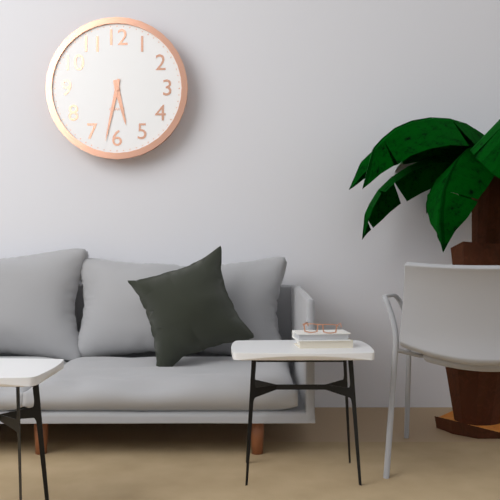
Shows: 5:32
